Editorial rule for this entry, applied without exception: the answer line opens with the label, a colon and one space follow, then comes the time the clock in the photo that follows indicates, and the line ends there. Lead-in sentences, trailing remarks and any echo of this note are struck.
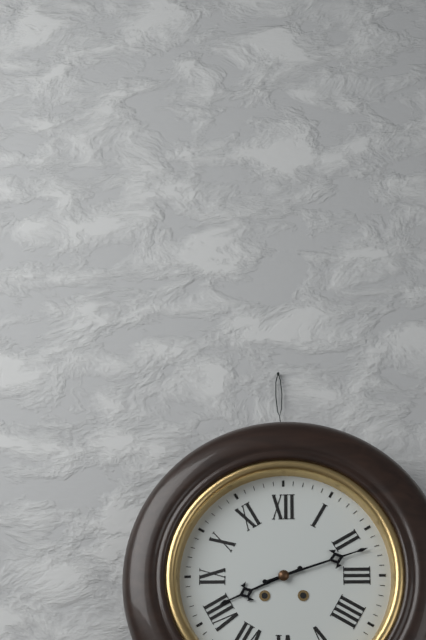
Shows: 8:12
